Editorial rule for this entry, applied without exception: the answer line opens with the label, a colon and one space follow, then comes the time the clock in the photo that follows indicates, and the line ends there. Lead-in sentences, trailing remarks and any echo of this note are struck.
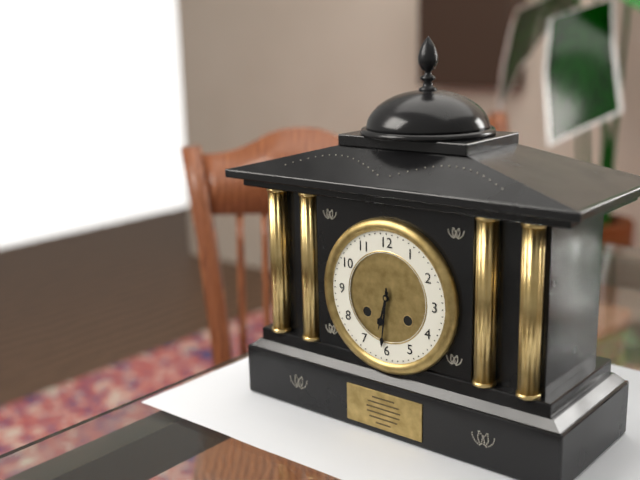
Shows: 6:31
